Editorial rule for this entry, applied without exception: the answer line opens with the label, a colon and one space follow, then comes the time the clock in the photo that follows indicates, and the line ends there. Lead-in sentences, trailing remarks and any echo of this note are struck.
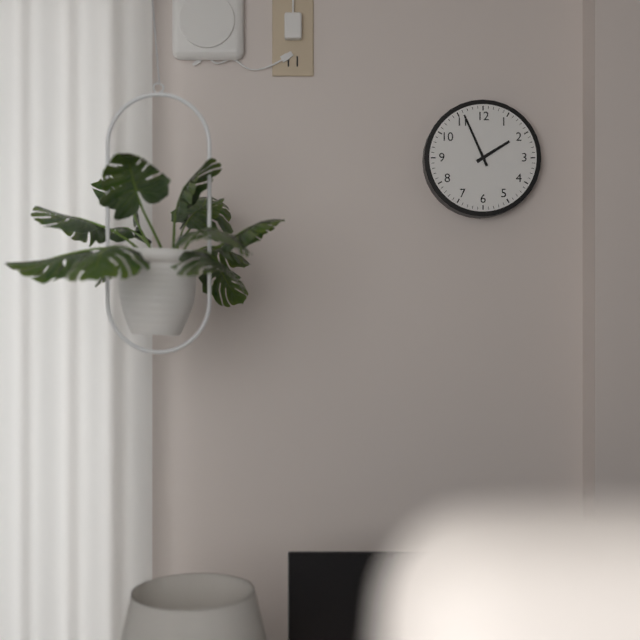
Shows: 1:56
